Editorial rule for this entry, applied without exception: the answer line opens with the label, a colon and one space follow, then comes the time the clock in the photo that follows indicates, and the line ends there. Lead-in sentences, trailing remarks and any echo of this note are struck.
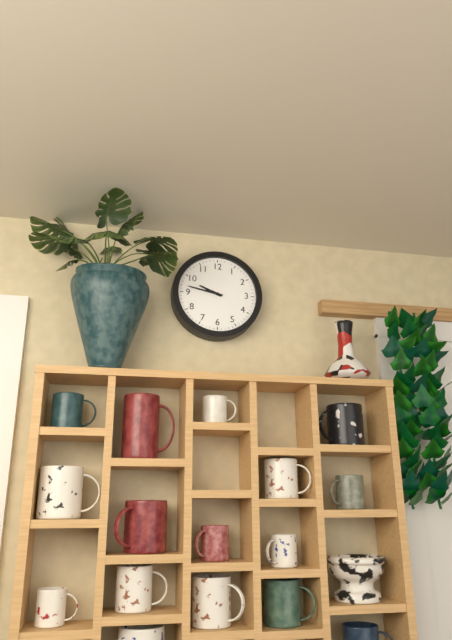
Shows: 9:47
